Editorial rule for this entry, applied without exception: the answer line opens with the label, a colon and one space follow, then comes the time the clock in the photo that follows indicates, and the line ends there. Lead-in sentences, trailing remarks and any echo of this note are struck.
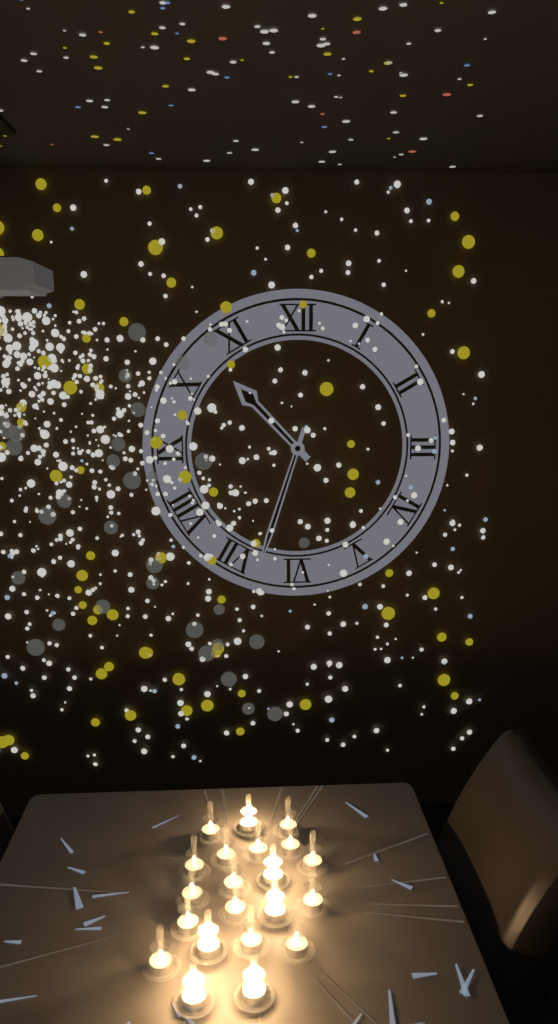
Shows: 10:33
